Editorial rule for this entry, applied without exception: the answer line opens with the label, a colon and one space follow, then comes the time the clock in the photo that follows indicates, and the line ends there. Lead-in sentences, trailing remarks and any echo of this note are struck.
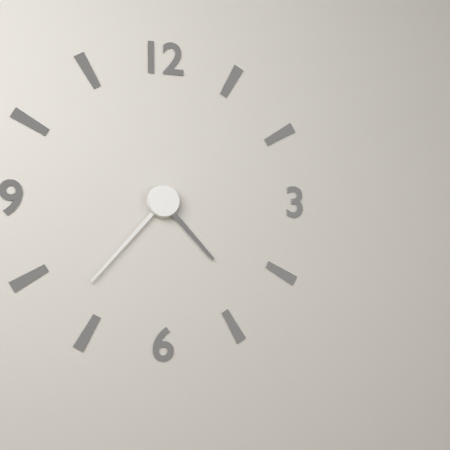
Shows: 4:37
